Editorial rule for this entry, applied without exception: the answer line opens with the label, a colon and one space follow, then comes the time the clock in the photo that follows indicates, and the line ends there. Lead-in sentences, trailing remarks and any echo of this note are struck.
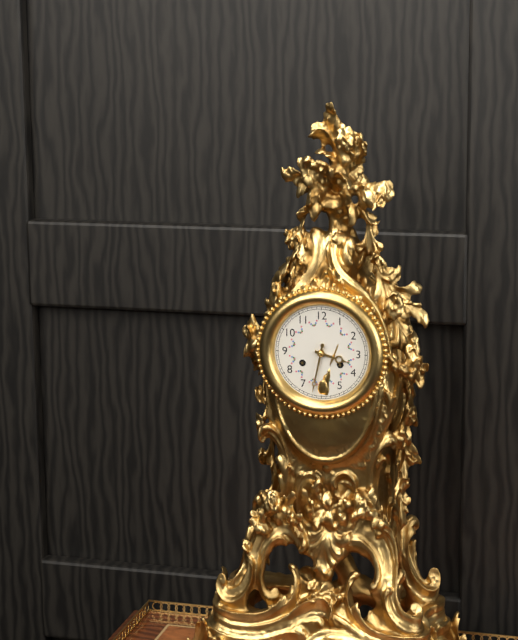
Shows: 3:32
